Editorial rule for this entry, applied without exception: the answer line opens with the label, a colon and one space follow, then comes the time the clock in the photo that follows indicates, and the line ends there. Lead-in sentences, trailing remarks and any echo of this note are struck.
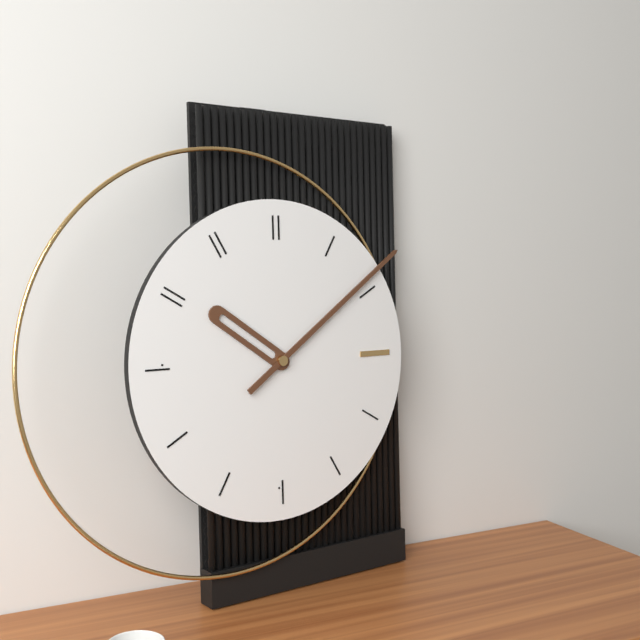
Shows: 10:09
